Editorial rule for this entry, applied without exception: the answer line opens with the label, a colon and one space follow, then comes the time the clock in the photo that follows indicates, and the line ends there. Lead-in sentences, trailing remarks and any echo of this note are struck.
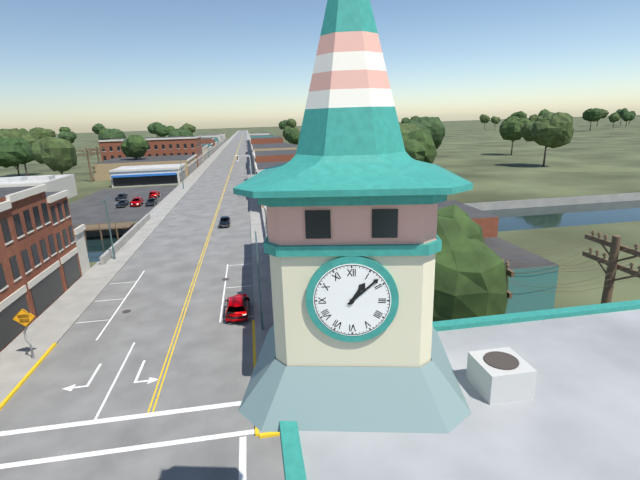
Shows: 1:08
